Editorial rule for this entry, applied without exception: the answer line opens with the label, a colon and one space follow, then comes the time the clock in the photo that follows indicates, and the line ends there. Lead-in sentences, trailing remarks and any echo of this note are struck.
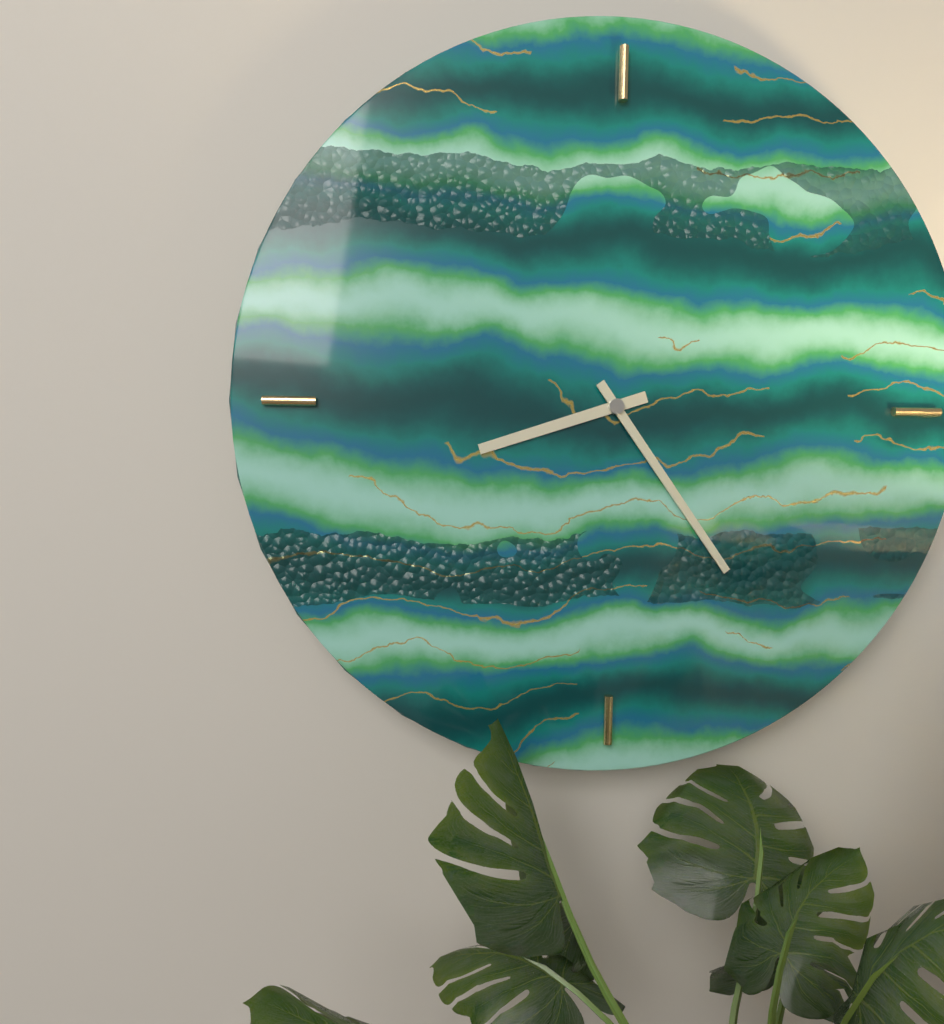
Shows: 8:24
